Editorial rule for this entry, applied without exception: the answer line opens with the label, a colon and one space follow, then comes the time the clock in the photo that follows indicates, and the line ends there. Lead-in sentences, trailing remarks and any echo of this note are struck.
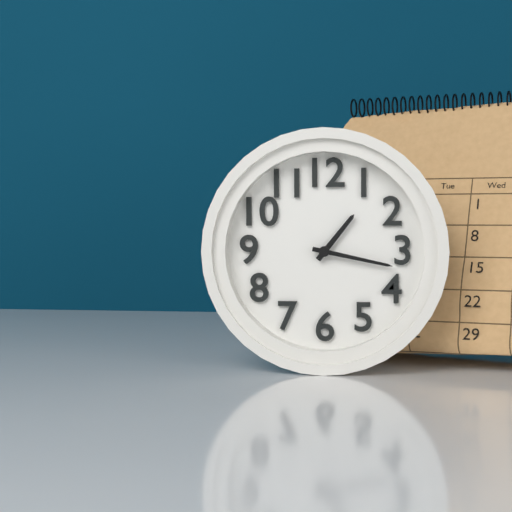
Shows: 1:17
